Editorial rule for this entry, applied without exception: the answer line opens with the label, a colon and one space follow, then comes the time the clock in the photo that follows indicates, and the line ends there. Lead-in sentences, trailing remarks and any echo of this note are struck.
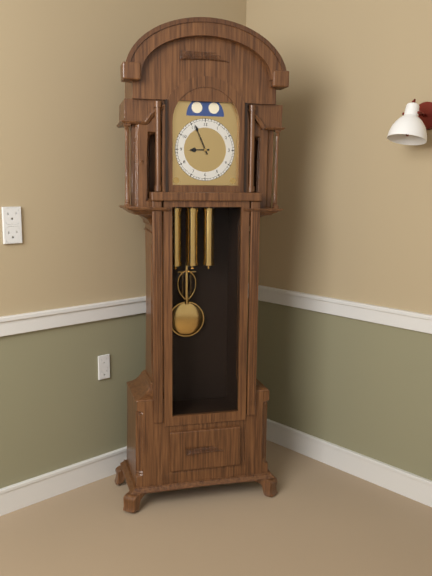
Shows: 8:56
